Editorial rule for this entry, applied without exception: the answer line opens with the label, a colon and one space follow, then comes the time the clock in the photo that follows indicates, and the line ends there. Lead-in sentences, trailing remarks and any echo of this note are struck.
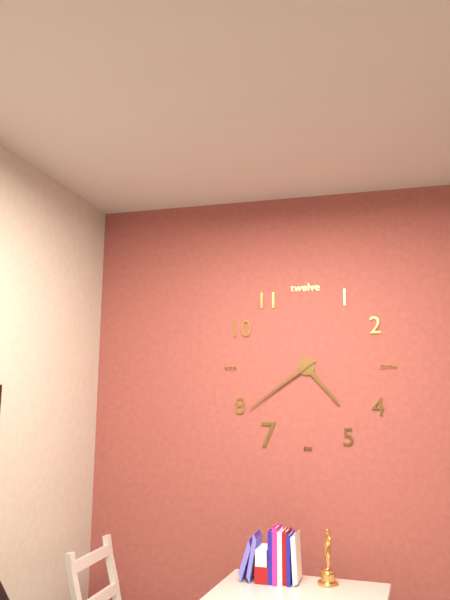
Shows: 4:39
